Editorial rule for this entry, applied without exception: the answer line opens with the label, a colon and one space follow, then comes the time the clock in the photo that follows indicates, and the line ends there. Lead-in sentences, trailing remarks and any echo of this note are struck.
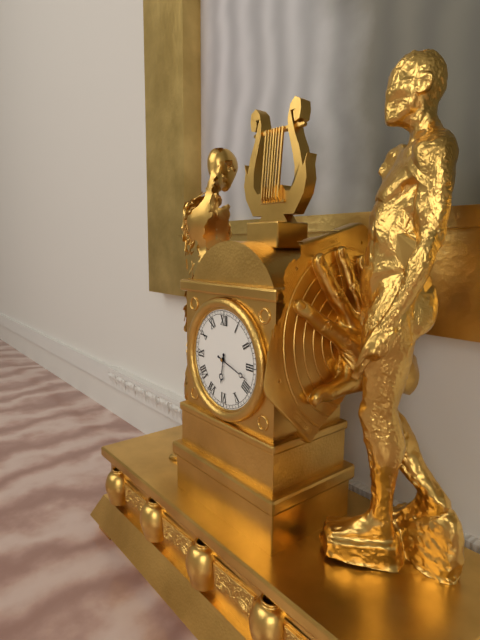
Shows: 6:18
